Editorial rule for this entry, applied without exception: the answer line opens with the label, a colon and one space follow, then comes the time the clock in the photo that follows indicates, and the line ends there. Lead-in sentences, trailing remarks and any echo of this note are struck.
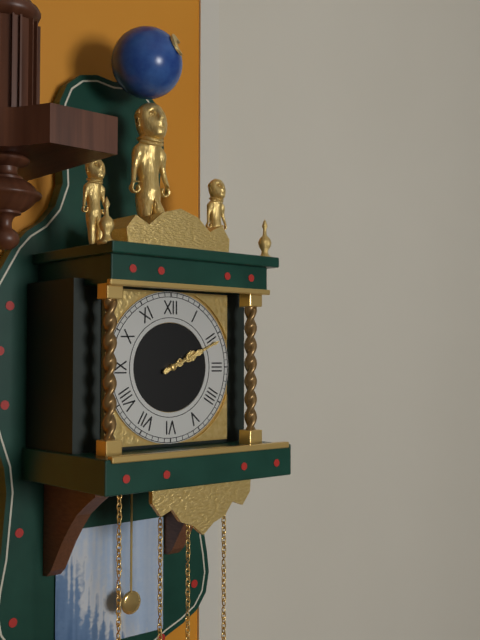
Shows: 2:11
